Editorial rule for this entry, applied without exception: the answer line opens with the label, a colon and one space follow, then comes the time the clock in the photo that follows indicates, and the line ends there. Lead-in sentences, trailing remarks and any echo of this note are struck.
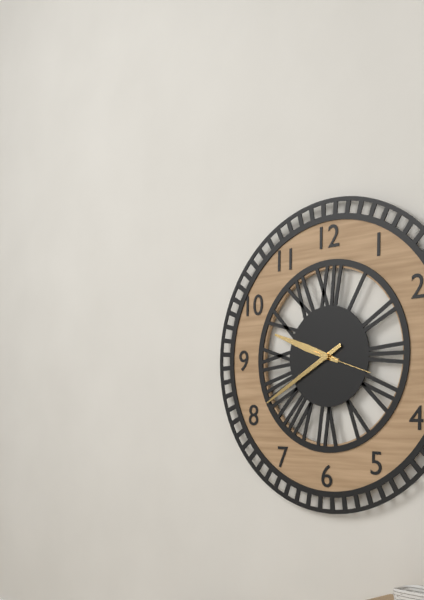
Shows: 9:40
